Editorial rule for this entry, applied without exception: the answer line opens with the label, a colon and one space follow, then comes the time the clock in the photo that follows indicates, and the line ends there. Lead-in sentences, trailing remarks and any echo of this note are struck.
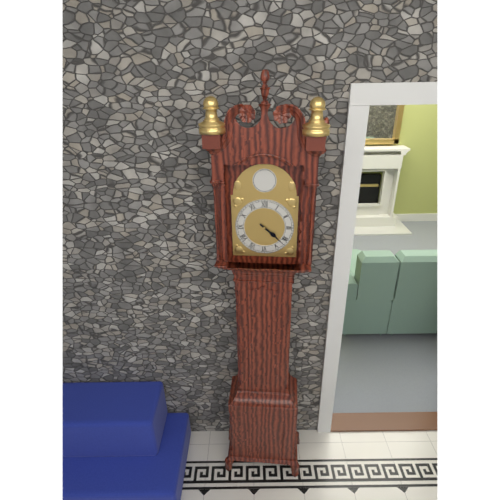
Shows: 4:22
